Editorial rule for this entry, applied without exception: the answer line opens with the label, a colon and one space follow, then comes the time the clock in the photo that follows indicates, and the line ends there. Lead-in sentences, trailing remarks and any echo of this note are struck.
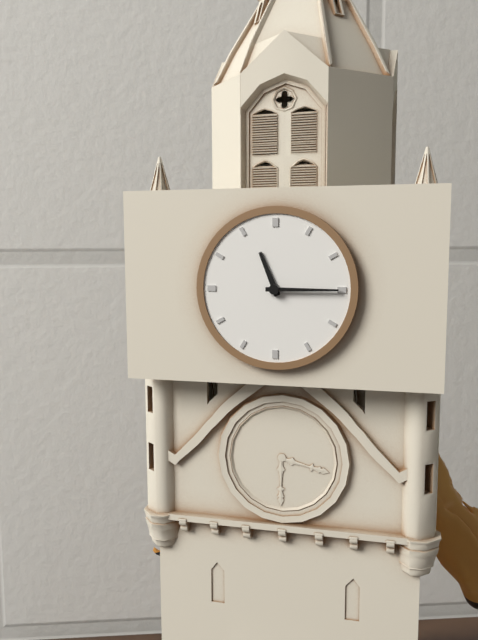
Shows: 11:15
